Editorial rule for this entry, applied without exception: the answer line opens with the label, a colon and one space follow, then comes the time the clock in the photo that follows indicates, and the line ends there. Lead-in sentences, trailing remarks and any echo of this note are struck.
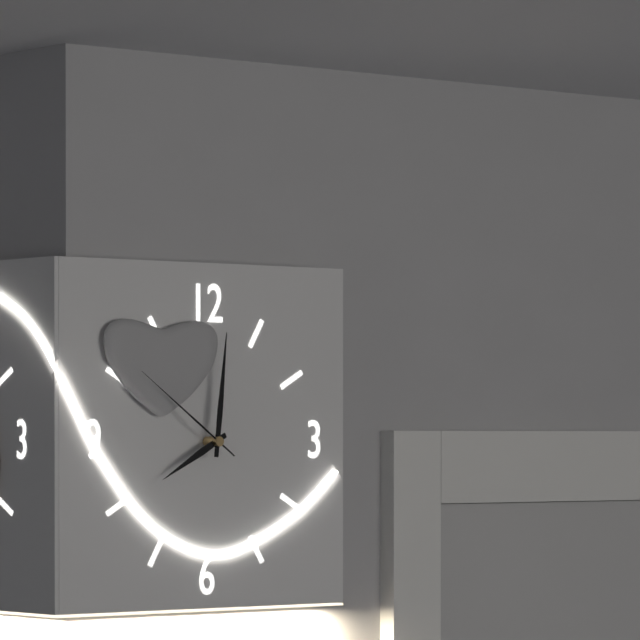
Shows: 8:01:51
